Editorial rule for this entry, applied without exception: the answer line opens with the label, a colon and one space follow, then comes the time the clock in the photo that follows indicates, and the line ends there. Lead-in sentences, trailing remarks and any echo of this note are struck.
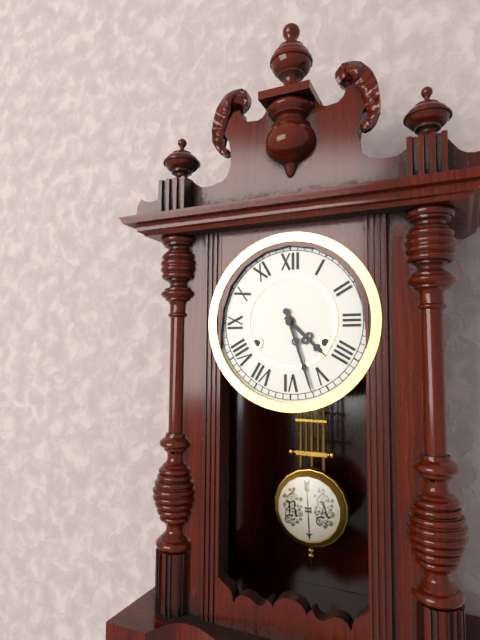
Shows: 4:27
